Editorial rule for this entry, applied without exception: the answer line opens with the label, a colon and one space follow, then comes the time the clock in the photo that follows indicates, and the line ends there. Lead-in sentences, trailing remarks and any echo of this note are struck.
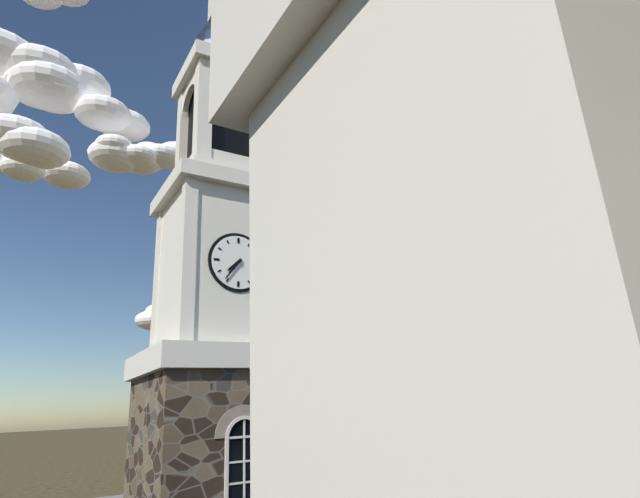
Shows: 7:36
